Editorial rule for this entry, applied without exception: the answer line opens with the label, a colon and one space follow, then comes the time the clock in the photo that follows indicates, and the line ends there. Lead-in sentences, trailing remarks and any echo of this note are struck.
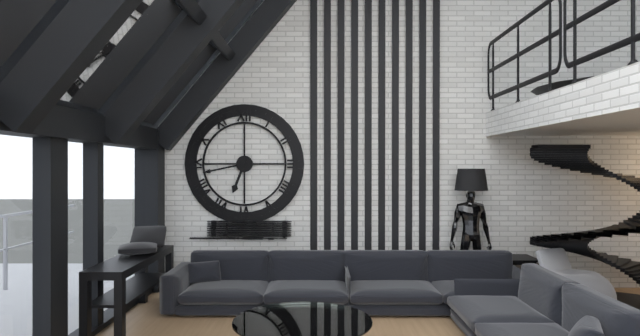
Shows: 6:43
